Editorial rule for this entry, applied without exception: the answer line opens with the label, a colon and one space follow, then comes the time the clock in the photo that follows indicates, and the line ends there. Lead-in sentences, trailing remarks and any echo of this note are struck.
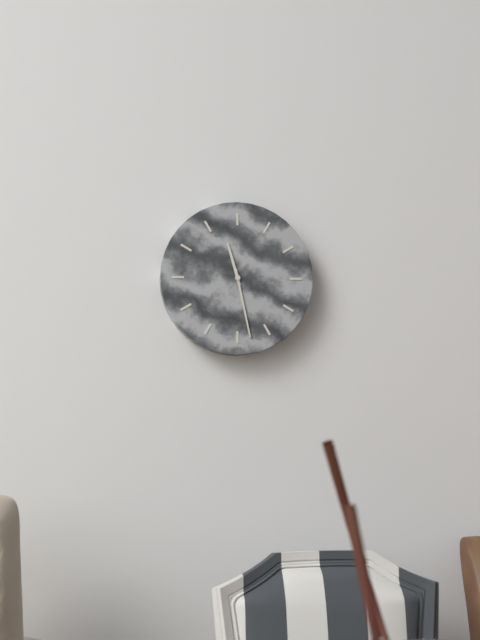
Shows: 11:28
